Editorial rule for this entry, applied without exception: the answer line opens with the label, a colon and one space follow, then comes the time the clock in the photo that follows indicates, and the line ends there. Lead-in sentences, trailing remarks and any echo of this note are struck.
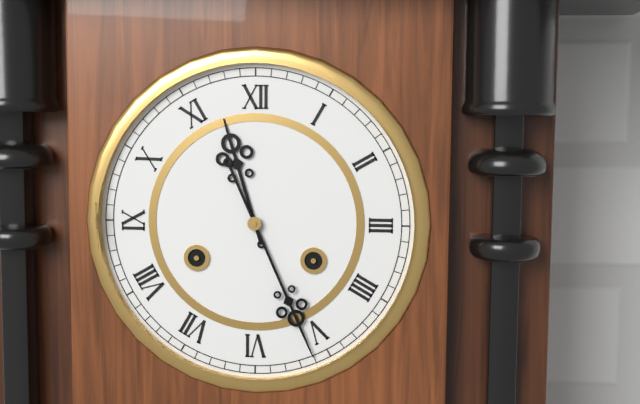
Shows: 11:26
